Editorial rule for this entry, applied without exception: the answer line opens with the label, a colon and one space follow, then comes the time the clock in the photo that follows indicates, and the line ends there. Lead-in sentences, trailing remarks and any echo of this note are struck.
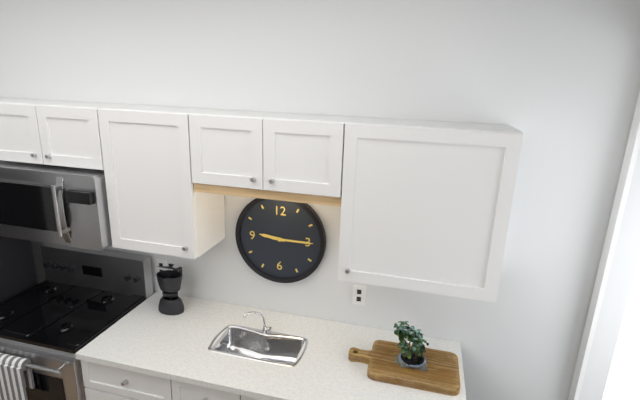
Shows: 9:15
